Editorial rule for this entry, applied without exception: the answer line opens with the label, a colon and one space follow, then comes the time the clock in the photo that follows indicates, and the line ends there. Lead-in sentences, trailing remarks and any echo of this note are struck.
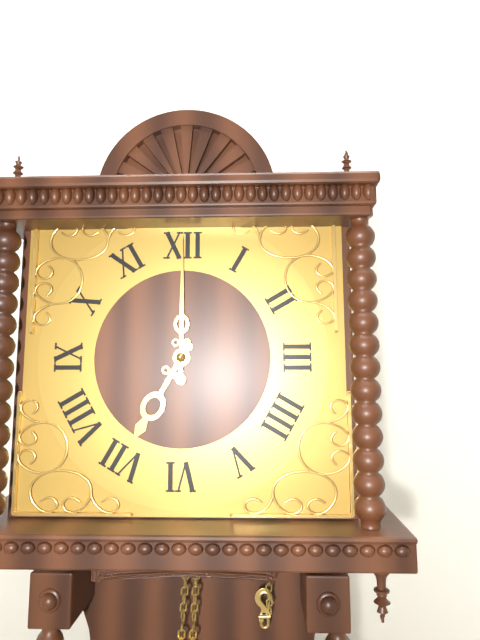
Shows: 7:00
